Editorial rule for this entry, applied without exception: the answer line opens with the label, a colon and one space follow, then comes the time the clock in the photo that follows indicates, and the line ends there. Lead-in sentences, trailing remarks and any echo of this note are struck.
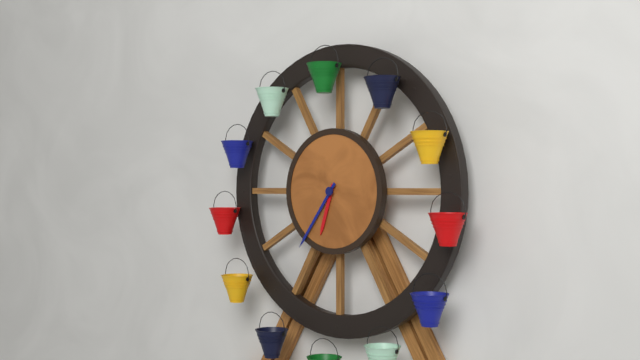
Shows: 6:36
